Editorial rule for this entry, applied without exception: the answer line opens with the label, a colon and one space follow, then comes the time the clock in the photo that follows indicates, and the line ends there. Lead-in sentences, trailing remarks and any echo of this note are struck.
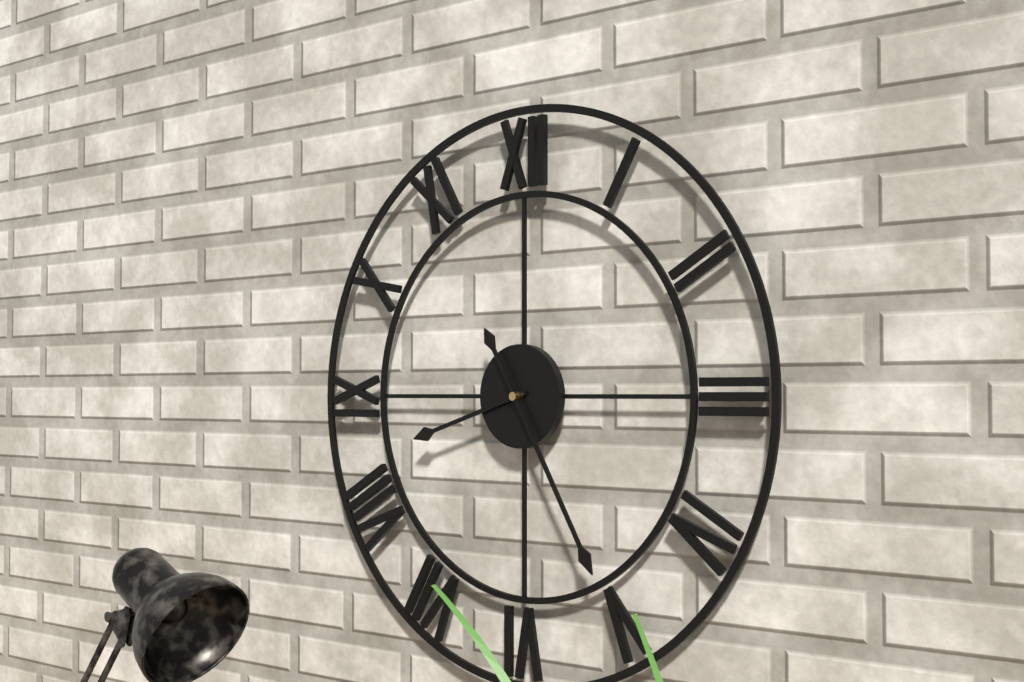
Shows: 8:25
